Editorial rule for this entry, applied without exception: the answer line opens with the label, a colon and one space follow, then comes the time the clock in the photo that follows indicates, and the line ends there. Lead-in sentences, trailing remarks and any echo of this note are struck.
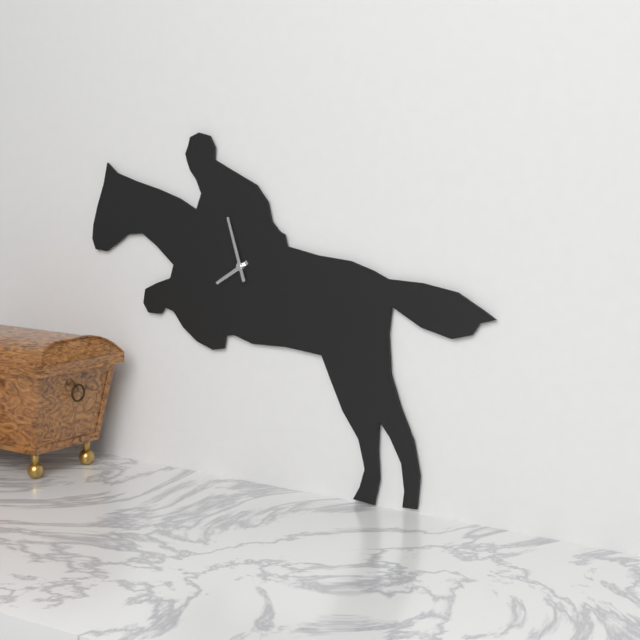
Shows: 7:57
